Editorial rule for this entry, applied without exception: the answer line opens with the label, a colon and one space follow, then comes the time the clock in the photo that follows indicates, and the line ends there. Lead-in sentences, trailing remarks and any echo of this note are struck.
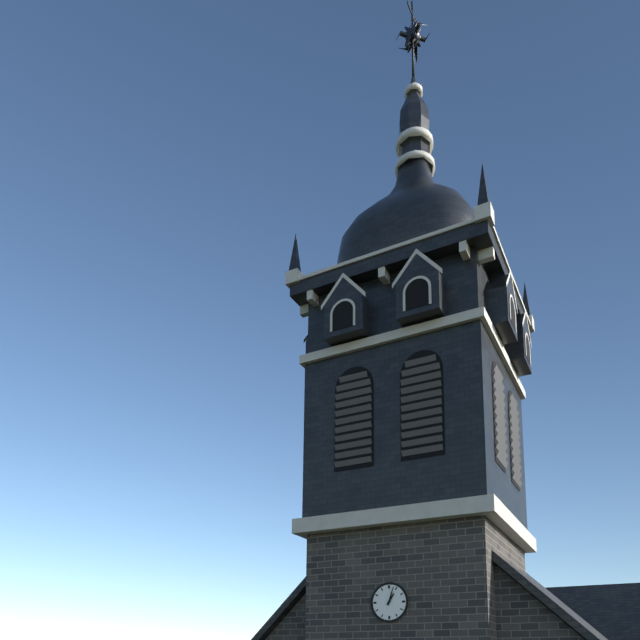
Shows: 1:03
